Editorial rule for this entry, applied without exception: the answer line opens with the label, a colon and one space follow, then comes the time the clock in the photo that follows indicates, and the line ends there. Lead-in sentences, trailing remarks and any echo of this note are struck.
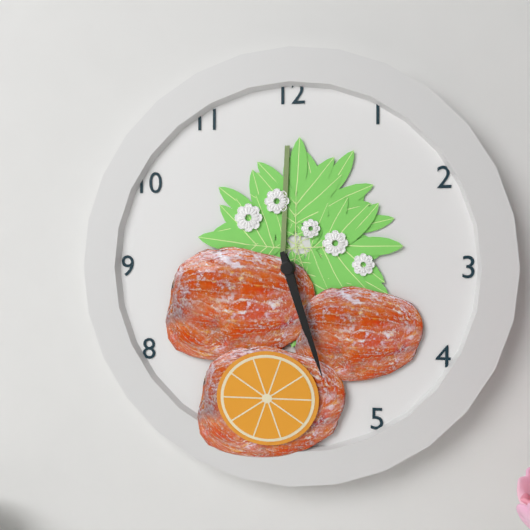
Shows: 5:27
